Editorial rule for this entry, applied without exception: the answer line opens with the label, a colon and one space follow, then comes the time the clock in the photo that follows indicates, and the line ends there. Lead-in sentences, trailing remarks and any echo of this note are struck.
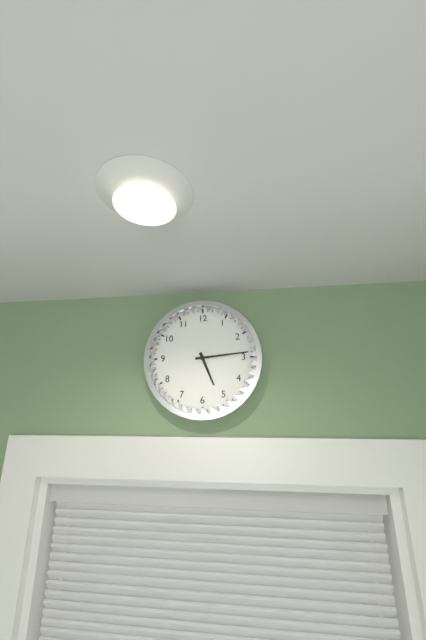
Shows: 5:14
